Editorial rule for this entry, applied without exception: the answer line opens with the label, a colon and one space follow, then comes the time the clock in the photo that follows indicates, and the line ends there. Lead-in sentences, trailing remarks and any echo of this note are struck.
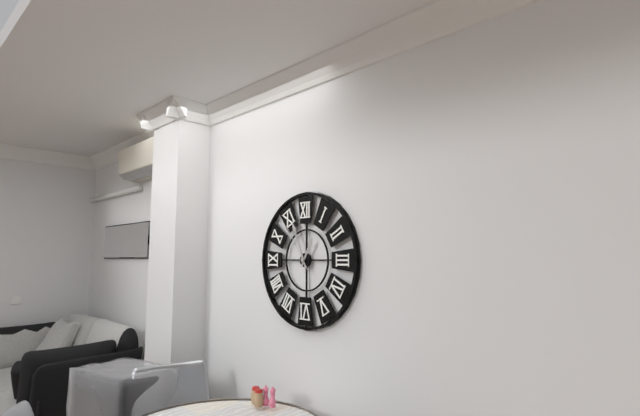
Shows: 12:56:54
